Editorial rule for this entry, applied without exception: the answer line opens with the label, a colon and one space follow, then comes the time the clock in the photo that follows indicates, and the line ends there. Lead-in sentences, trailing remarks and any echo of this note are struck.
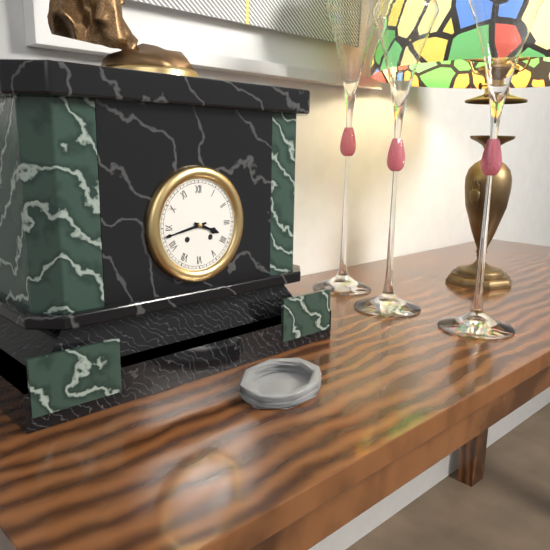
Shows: 3:43
